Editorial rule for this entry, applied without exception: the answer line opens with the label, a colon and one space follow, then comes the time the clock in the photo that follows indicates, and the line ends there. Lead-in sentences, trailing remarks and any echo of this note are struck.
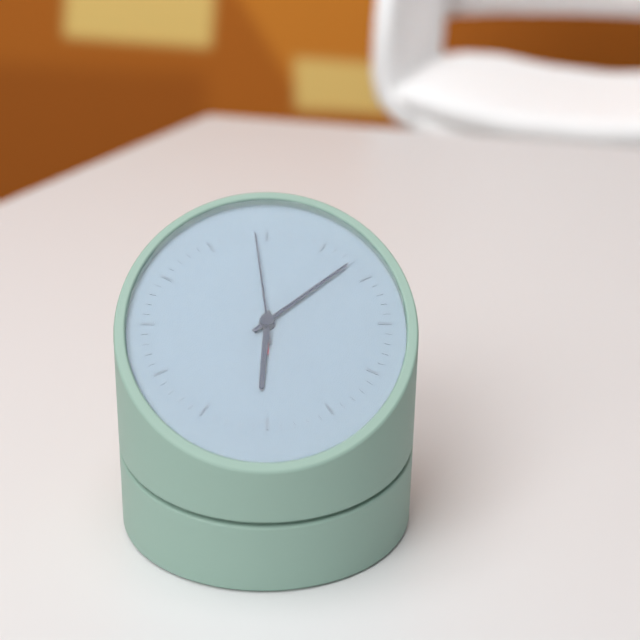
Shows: 6:08:59
